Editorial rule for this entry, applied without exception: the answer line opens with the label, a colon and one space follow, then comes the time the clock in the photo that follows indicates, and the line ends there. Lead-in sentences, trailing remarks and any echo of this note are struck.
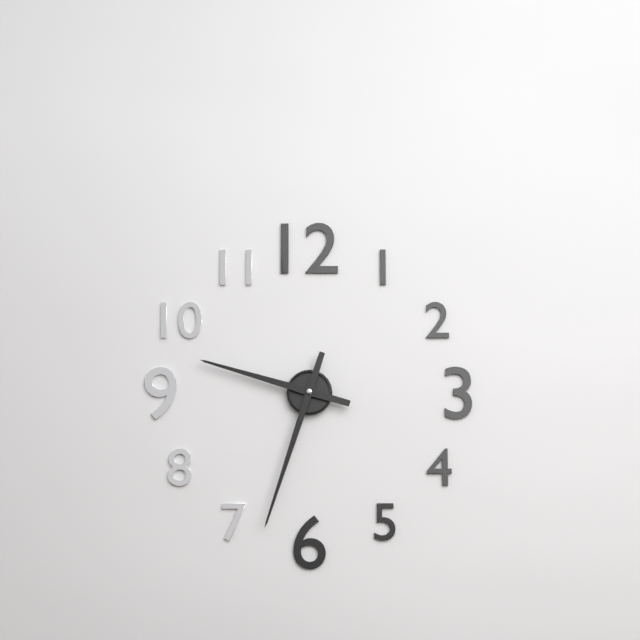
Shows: 9:33
